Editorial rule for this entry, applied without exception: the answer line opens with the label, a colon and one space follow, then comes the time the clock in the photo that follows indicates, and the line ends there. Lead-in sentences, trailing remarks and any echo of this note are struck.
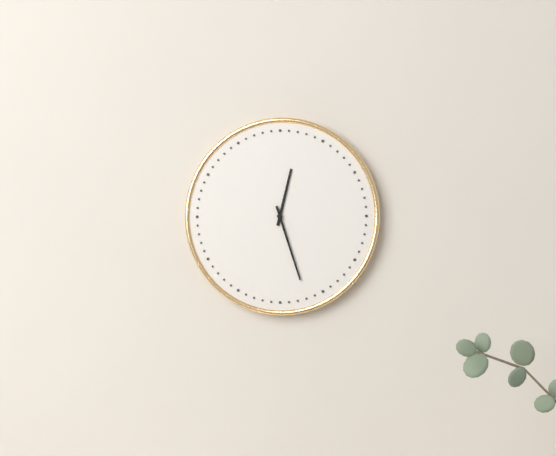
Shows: 12:27
